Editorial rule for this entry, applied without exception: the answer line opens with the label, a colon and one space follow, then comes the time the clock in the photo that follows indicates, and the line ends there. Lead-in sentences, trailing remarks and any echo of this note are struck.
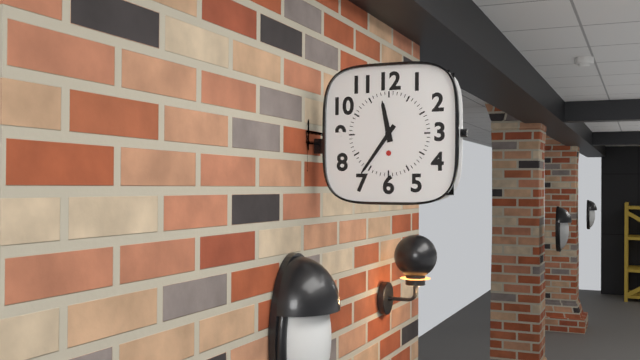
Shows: 11:36
